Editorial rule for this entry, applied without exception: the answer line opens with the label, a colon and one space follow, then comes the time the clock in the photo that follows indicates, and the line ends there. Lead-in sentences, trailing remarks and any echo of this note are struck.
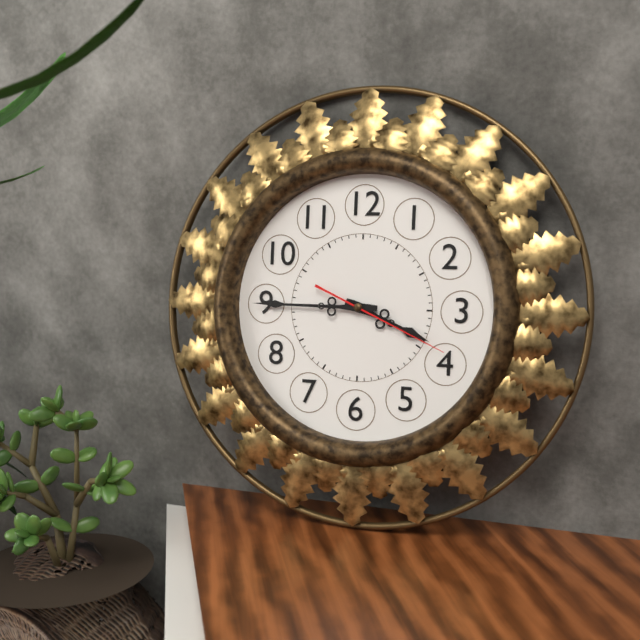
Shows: 3:45:19
